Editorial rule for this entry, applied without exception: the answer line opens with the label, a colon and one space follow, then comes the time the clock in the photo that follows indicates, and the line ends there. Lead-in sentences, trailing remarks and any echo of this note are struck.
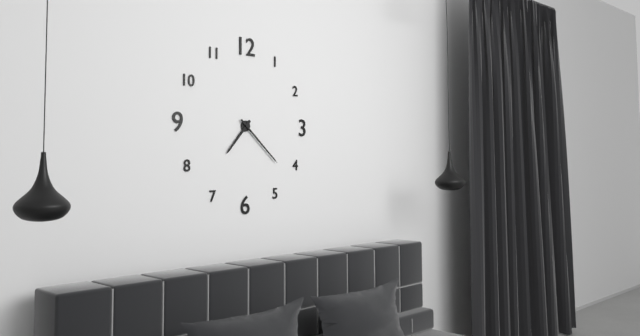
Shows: 7:22
